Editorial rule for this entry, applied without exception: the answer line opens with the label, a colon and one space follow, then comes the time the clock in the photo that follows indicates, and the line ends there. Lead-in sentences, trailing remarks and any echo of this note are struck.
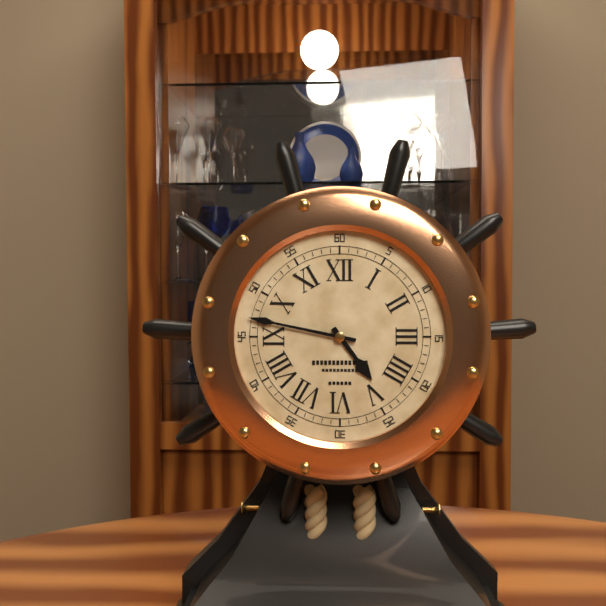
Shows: 4:47
